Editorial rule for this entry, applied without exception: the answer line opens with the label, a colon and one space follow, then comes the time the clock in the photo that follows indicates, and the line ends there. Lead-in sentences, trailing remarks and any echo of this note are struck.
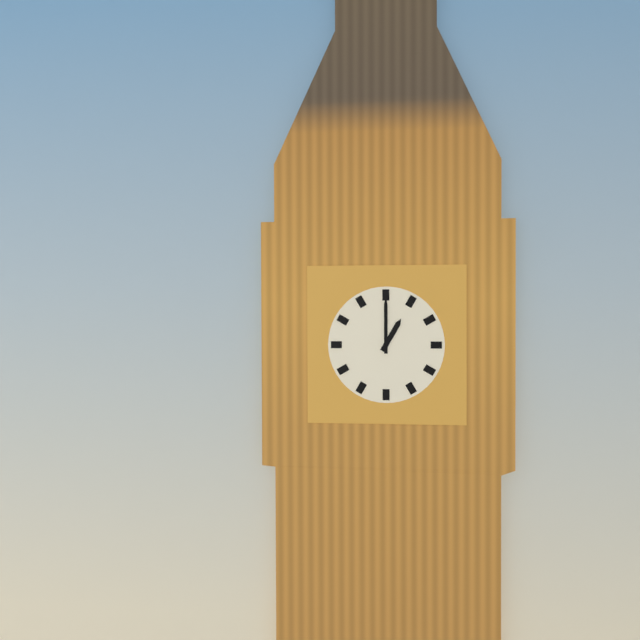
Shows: 1:00
